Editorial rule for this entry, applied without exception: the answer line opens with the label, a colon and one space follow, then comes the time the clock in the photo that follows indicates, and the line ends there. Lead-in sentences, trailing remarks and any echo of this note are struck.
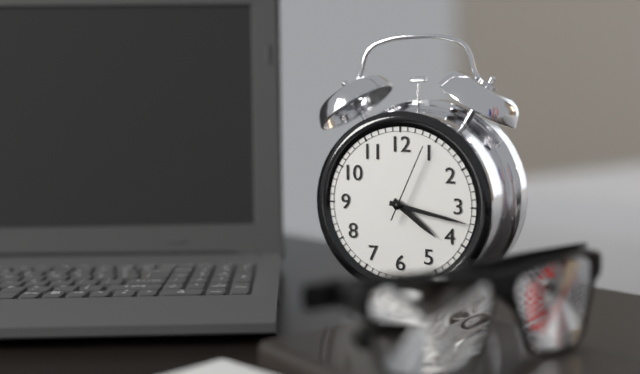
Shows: 4:17:04
